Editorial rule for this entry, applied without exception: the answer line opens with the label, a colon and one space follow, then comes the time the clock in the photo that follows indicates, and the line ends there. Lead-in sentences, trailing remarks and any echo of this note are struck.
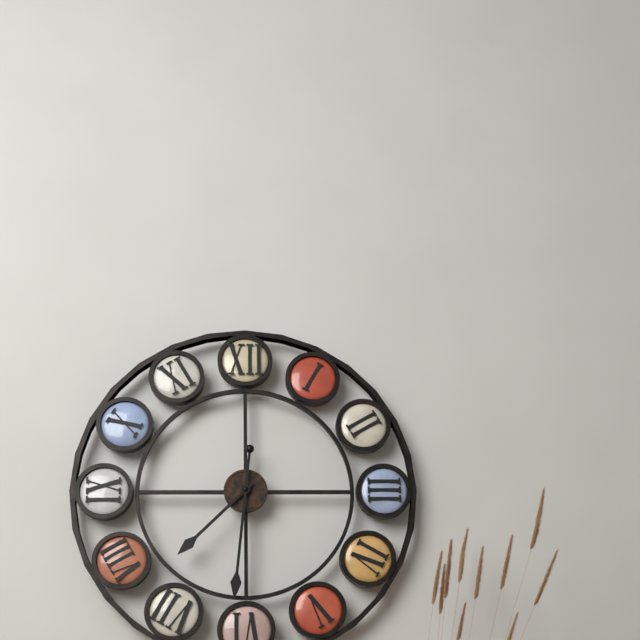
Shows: 7:31
